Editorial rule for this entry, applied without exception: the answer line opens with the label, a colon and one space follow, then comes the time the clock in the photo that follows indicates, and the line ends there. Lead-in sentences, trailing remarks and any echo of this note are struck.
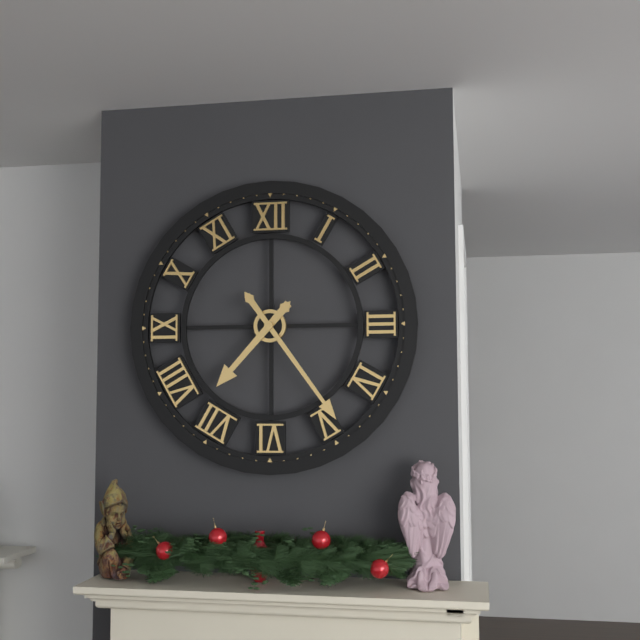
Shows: 7:24
